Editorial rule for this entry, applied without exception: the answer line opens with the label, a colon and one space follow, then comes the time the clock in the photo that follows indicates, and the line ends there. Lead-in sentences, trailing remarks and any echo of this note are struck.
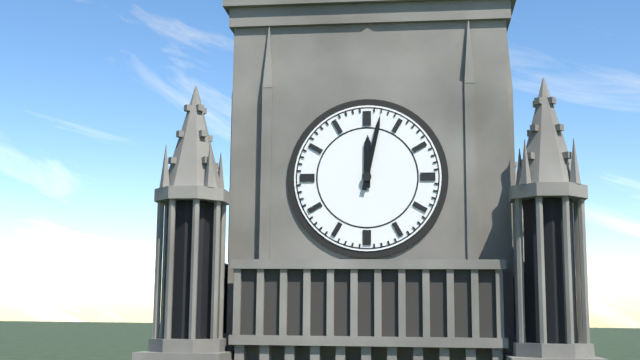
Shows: 12:02
